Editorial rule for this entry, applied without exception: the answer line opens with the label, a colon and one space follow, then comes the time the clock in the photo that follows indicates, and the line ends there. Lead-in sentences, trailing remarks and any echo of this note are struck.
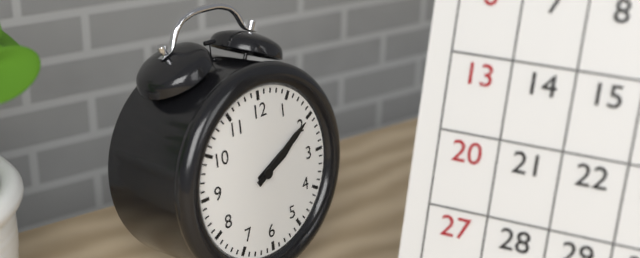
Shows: 2:10
